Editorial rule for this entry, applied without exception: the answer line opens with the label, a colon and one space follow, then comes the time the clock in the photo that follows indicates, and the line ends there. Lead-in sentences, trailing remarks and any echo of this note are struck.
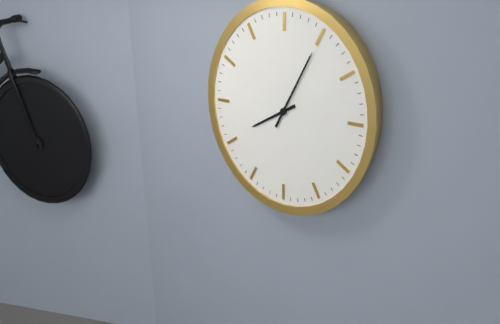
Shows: 8:05
